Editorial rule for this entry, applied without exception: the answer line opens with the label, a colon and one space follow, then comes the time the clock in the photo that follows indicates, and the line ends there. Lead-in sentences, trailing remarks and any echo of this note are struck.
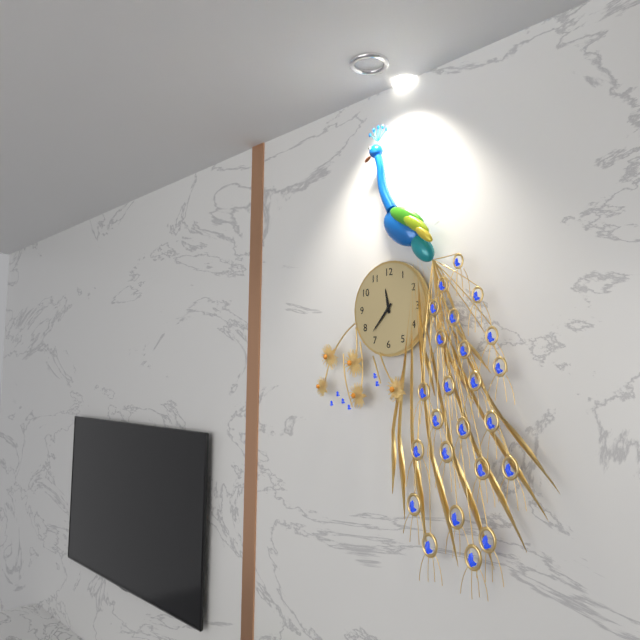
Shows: 11:37
